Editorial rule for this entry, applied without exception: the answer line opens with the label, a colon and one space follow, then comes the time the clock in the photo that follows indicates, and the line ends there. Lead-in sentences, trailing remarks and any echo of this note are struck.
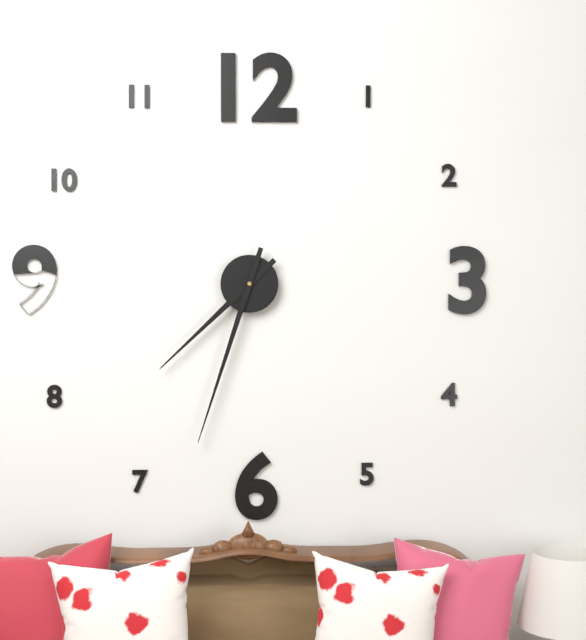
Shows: 7:33
